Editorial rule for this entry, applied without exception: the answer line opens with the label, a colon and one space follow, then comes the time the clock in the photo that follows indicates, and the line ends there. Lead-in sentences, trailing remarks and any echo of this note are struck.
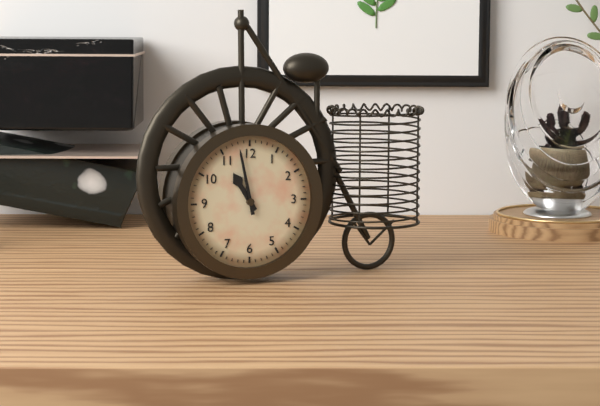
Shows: 10:58
